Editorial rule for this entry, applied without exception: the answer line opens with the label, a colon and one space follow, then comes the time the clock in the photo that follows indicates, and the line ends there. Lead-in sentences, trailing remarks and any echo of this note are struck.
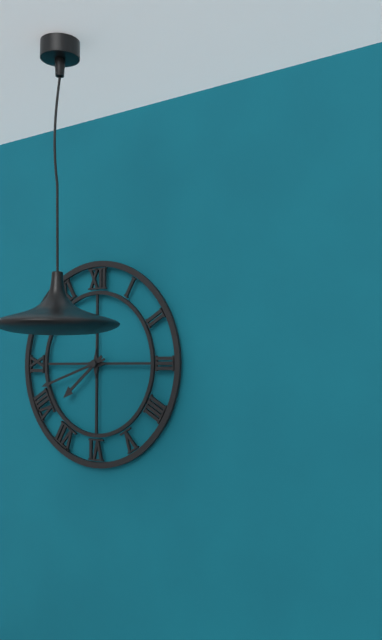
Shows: 7:42
